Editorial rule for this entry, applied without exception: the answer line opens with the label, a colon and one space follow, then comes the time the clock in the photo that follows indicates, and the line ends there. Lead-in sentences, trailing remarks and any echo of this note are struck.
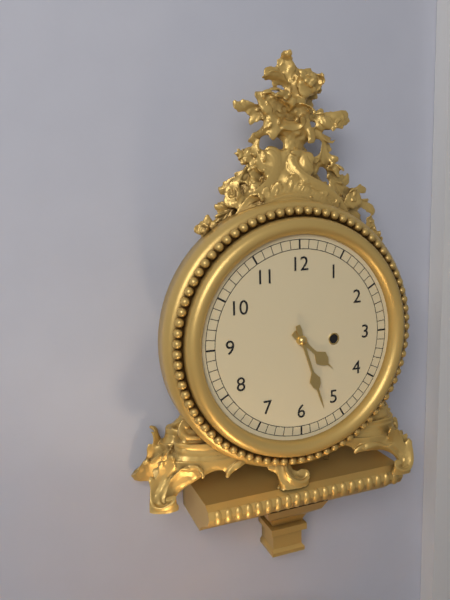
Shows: 4:27
